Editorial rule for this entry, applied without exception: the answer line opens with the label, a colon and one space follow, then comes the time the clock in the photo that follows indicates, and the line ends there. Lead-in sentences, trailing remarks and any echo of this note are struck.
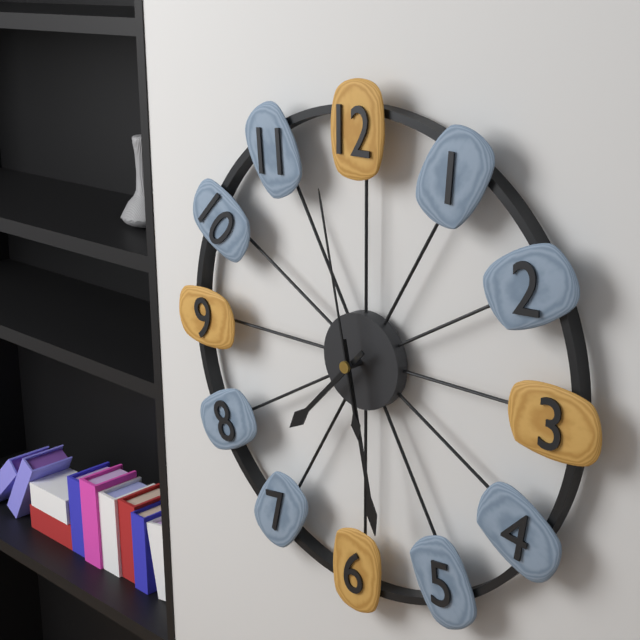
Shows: 7:28:58
